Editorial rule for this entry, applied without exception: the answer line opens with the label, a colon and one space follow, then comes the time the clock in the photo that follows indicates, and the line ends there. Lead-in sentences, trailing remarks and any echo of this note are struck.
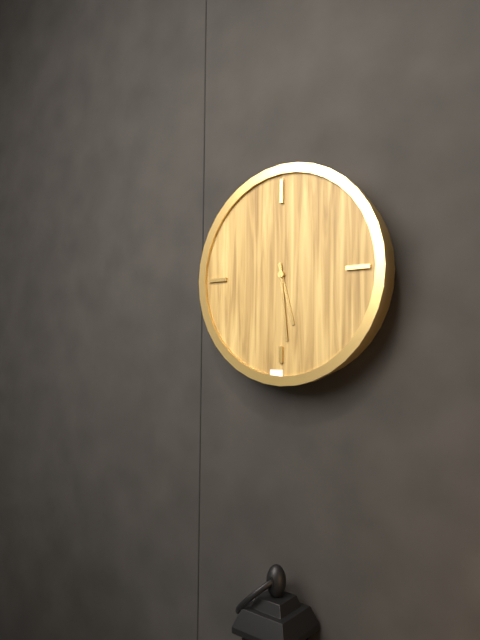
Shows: 5:29
